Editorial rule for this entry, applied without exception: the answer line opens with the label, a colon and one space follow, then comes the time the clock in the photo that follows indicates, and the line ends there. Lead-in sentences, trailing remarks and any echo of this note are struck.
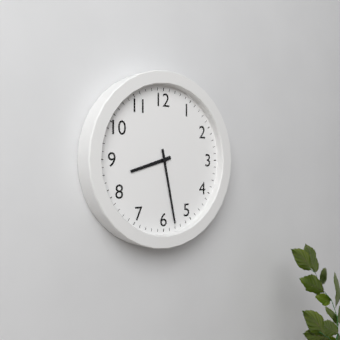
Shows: 8:28
